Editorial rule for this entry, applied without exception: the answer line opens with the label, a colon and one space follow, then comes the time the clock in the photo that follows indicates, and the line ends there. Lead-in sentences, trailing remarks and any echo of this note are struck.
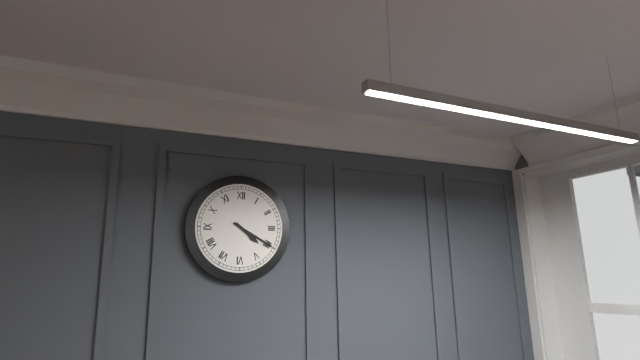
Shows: 4:20
